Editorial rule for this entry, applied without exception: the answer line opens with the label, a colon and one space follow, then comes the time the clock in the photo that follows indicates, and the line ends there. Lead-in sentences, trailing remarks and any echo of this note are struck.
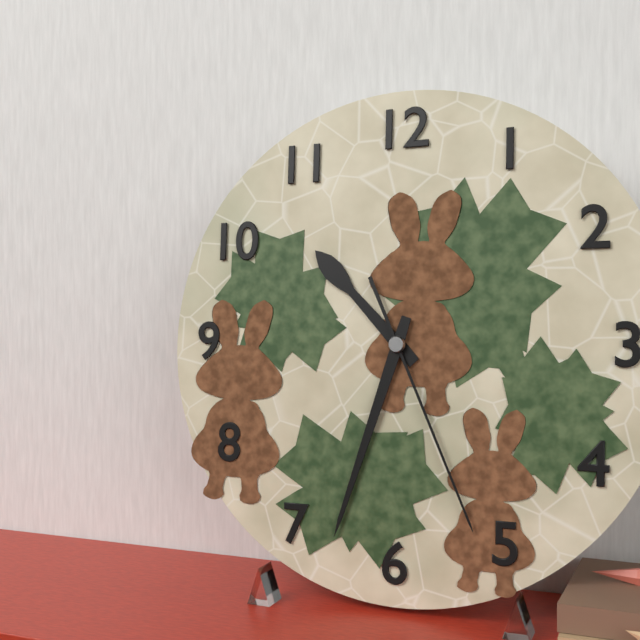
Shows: 10:33:26
